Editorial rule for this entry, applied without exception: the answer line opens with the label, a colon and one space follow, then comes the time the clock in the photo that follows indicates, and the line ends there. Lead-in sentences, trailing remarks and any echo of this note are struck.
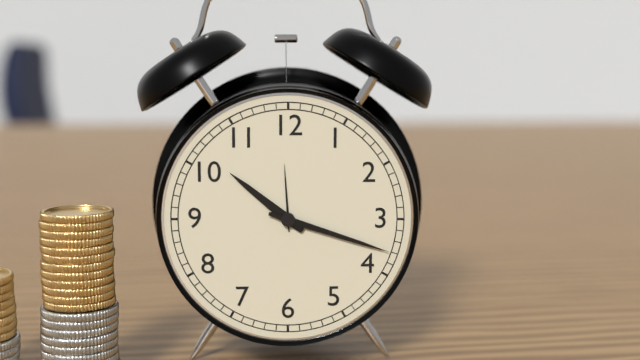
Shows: 10:18
